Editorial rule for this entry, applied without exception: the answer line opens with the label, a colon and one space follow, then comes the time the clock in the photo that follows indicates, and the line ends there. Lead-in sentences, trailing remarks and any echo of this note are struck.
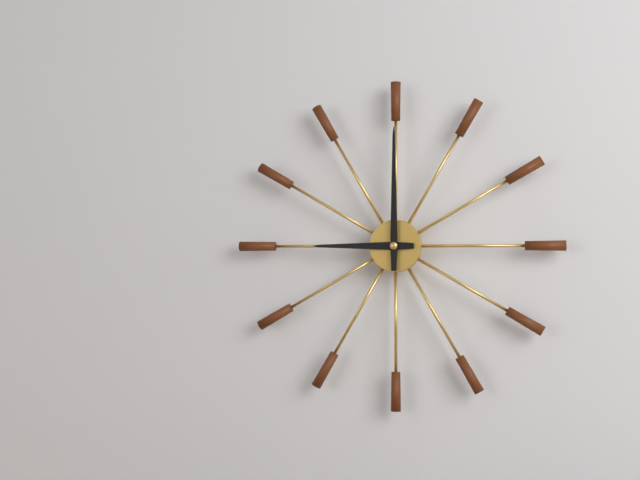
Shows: 9:00
